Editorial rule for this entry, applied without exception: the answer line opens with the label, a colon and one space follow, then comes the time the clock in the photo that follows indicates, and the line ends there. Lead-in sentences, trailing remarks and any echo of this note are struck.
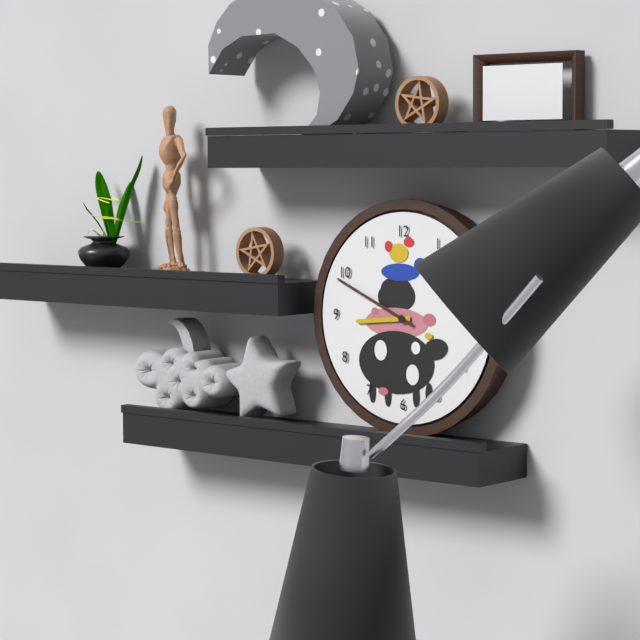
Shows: 8:49
